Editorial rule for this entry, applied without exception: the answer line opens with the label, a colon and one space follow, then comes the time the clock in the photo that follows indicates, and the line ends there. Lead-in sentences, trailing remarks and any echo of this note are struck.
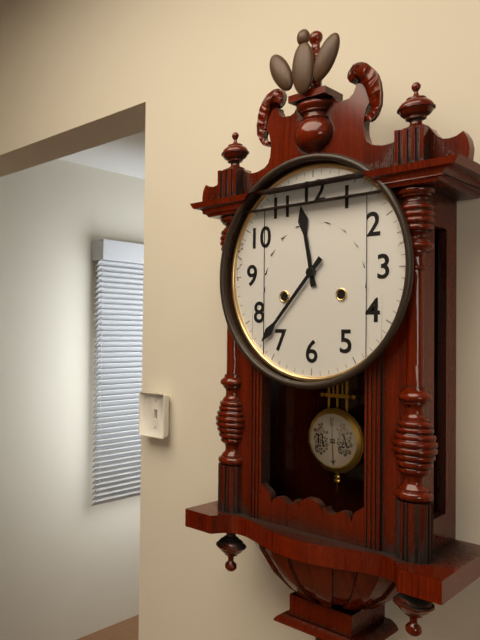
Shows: 11:37
